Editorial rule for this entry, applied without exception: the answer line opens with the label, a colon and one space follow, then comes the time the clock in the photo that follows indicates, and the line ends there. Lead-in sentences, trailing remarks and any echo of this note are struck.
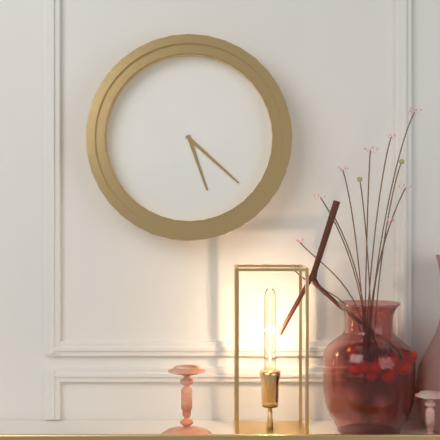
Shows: 5:22
